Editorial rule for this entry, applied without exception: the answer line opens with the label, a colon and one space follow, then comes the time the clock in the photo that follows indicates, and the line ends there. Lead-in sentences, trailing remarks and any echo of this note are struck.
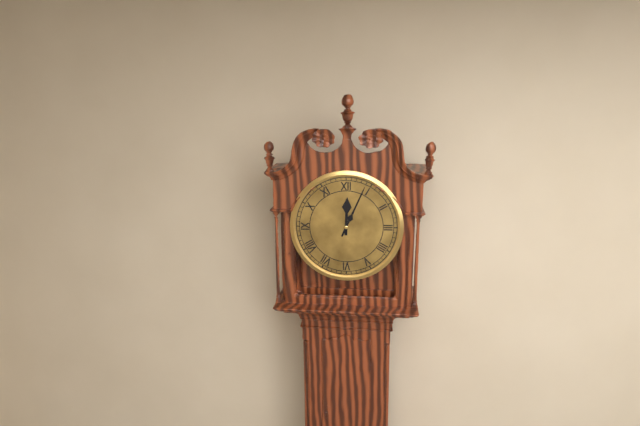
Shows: 12:04
